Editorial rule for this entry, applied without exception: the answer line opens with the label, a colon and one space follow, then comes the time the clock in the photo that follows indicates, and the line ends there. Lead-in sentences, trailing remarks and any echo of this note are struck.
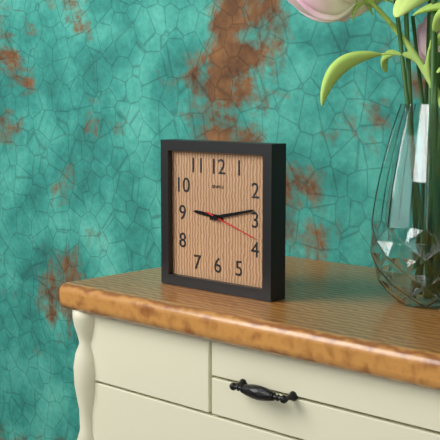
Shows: 9:13:18
